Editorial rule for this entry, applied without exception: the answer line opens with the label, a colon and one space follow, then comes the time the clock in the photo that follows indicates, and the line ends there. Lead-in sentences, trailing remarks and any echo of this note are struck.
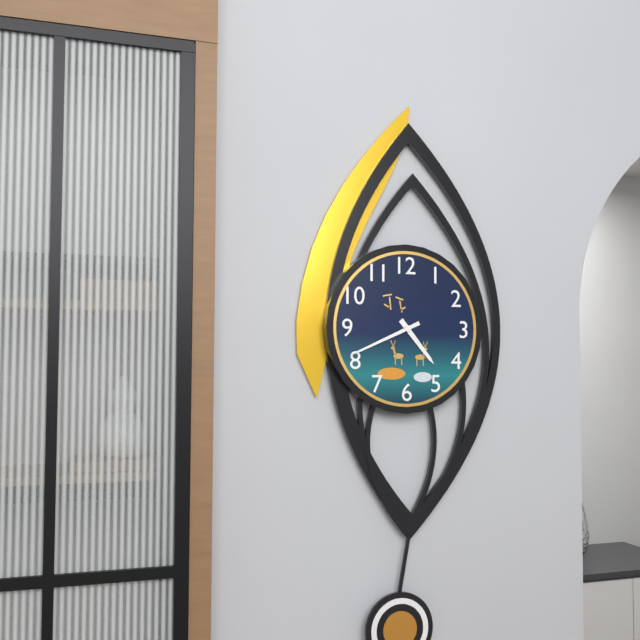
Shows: 4:41
